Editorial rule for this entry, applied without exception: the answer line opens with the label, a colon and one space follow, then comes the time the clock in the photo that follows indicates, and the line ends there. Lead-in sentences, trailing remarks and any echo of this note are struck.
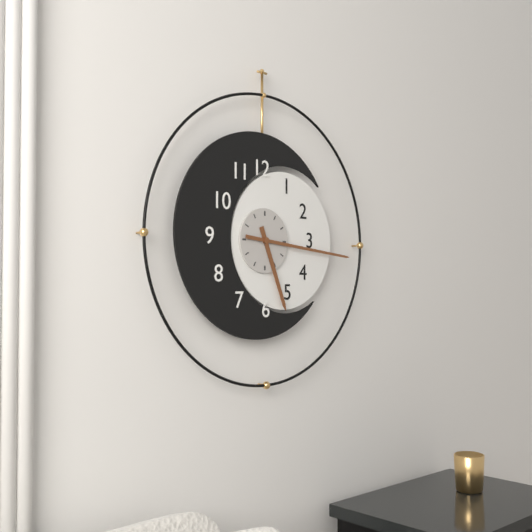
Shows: 5:16
